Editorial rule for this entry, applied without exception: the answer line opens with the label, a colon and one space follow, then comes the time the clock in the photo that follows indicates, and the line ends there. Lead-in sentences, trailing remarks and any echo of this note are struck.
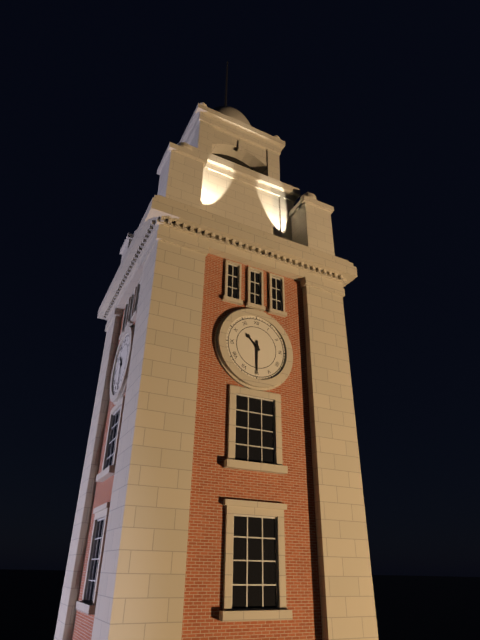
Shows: 10:30
